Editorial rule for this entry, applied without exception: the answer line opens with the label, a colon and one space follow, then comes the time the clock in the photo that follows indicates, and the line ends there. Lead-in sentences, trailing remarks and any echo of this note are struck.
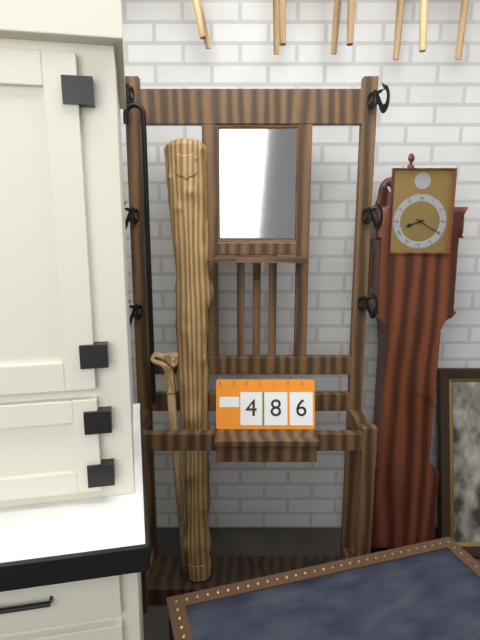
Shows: 8:20
